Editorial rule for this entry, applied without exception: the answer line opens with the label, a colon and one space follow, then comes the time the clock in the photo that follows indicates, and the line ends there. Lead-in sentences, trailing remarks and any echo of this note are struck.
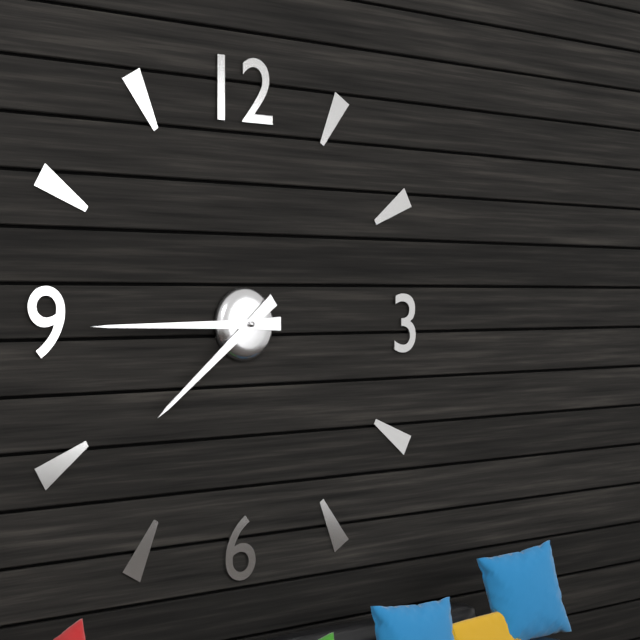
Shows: 7:45
